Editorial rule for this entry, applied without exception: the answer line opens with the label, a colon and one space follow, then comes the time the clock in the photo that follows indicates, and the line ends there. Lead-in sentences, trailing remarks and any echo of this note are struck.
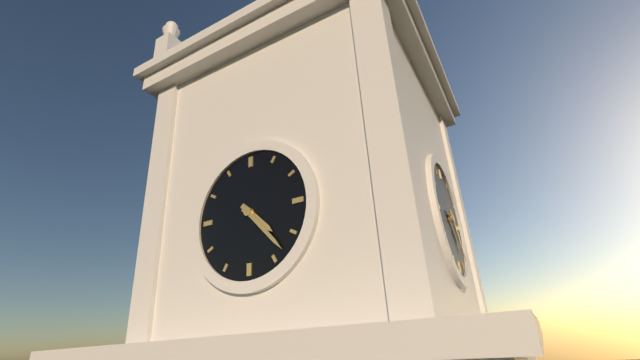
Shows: 4:23
